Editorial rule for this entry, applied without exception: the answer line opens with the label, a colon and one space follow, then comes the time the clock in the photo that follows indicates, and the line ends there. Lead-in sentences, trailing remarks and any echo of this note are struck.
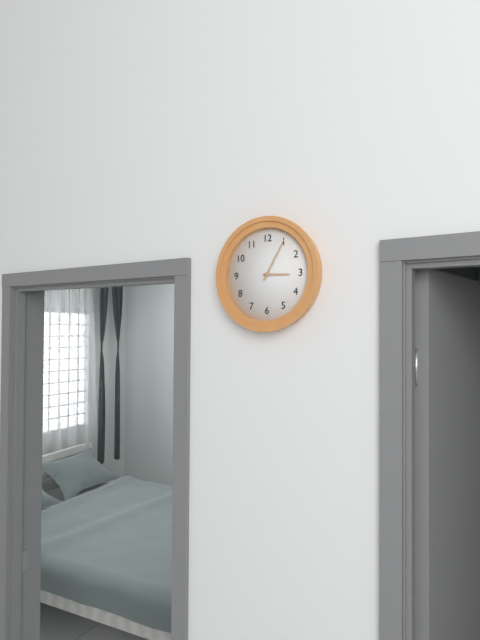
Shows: 3:05
